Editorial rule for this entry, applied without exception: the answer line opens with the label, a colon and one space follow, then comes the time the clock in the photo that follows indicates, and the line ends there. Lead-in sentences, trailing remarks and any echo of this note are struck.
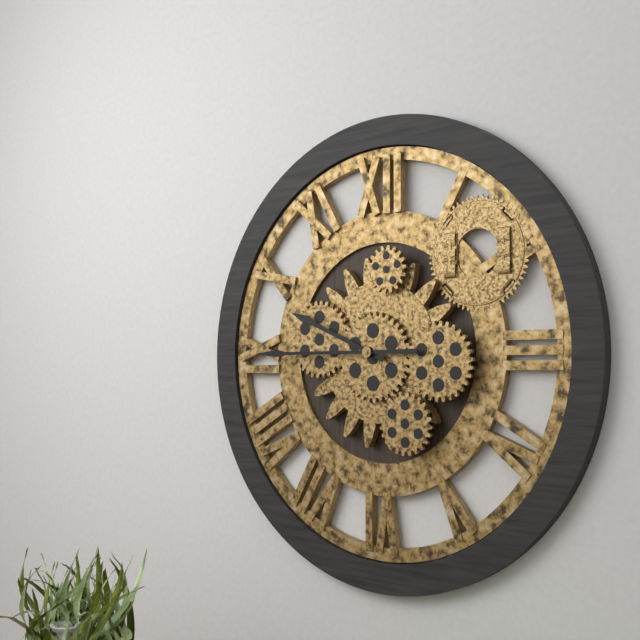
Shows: 9:45
